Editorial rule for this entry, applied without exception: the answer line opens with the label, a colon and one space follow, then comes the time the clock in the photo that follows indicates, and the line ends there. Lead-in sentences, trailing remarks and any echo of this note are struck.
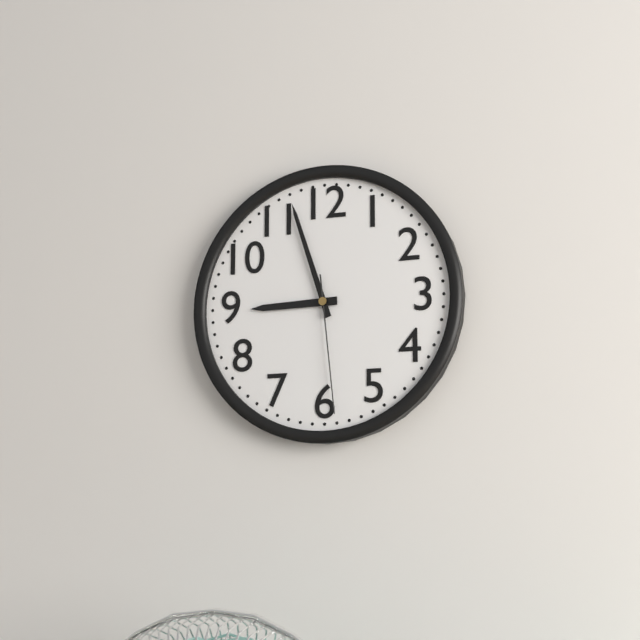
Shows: 8:57:29
